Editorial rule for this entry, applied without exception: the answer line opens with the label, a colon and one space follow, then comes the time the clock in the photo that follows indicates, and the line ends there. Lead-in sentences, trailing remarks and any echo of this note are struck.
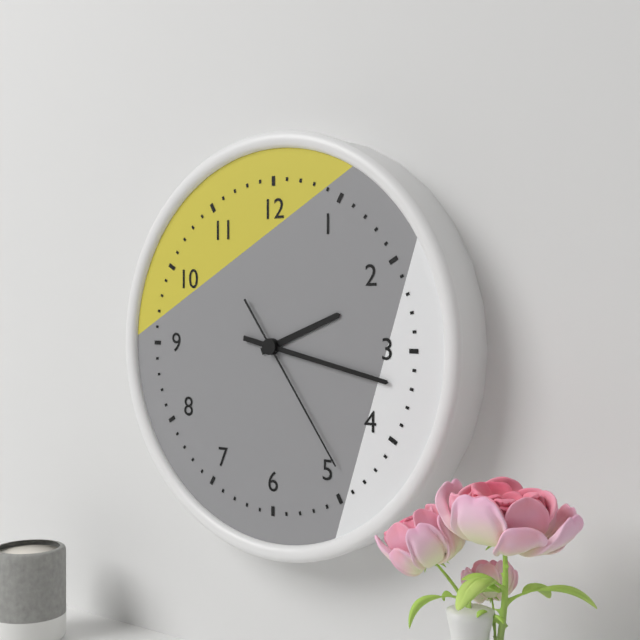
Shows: 2:17:24
